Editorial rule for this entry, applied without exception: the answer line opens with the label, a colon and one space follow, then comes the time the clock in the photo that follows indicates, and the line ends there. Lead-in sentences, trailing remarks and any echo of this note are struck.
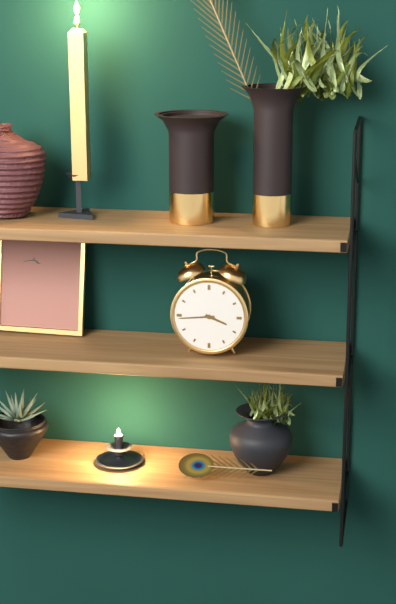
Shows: 3:44
